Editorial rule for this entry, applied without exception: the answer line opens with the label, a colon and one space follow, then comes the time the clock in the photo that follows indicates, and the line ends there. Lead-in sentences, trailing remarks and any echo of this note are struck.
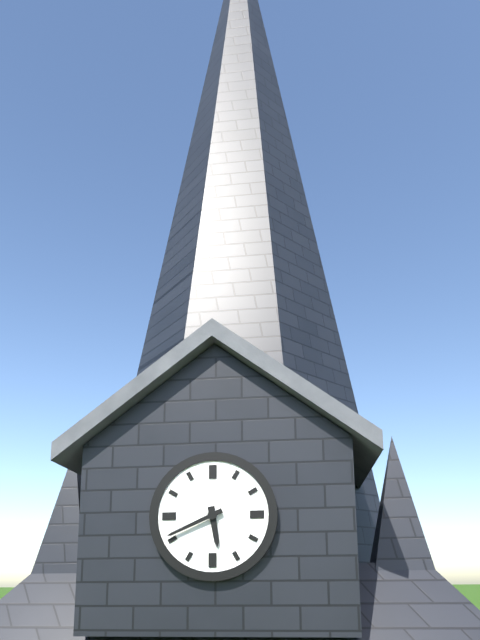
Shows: 5:41
